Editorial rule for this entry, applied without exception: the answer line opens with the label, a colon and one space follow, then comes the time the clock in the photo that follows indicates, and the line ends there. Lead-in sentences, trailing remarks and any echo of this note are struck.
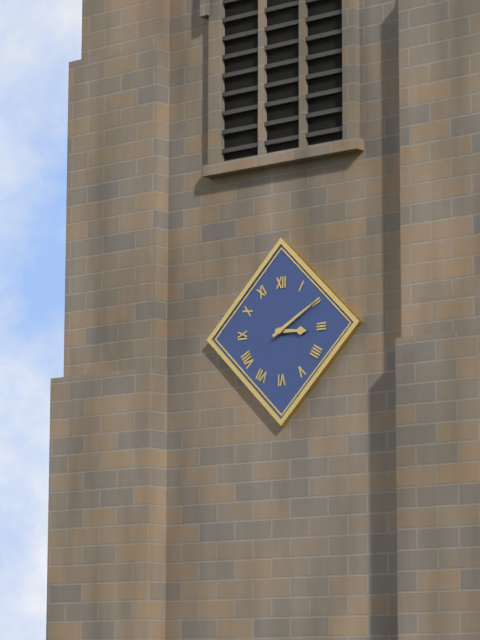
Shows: 3:10
